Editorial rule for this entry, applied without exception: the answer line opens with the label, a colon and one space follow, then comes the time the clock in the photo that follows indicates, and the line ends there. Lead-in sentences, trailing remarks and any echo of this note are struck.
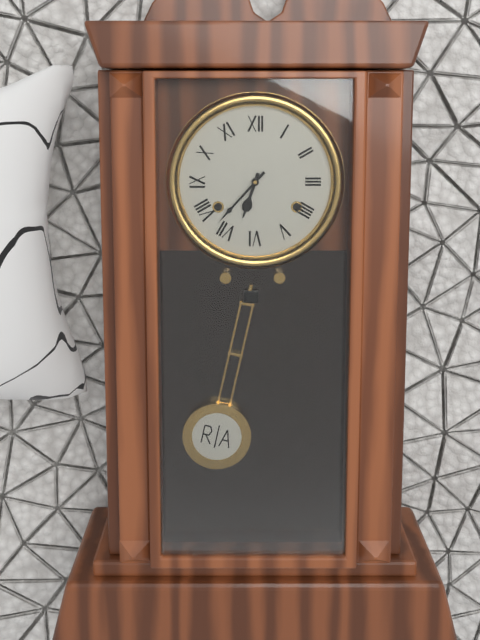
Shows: 6:37
